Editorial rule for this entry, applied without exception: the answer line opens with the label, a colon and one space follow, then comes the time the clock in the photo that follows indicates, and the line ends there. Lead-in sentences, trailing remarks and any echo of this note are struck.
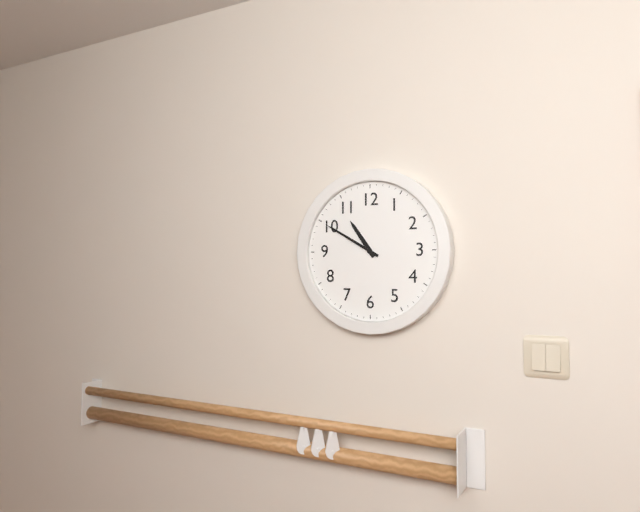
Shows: 10:50
